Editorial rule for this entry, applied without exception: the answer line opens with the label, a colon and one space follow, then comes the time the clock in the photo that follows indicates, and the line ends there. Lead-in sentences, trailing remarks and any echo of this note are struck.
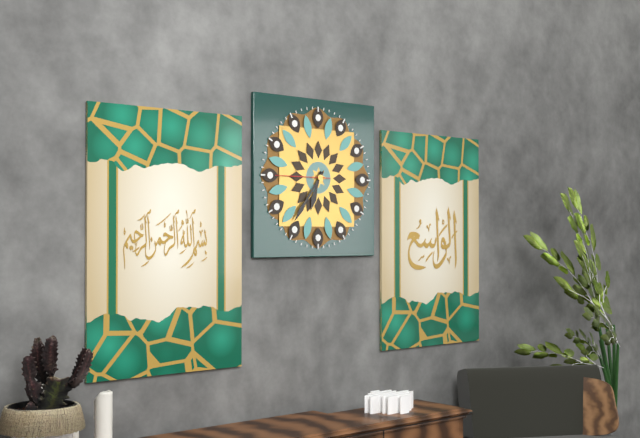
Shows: 6:36:45
